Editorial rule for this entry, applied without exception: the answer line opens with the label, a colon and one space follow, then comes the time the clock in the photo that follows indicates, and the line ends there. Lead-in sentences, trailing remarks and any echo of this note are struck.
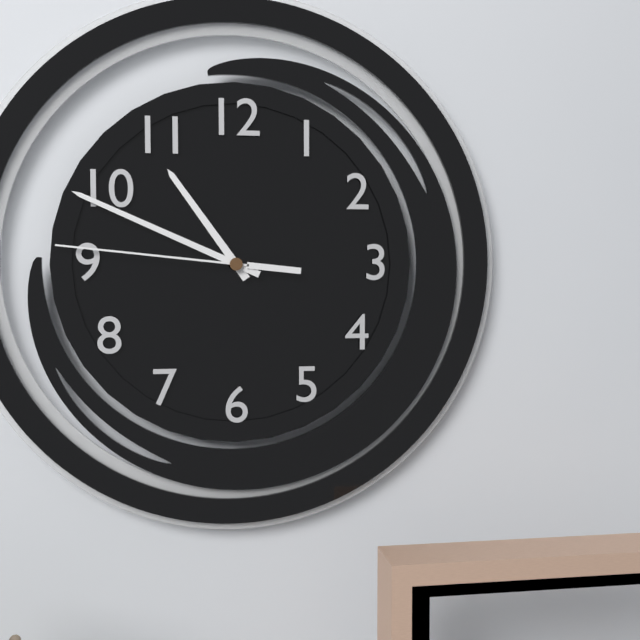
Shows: 10:49:46
